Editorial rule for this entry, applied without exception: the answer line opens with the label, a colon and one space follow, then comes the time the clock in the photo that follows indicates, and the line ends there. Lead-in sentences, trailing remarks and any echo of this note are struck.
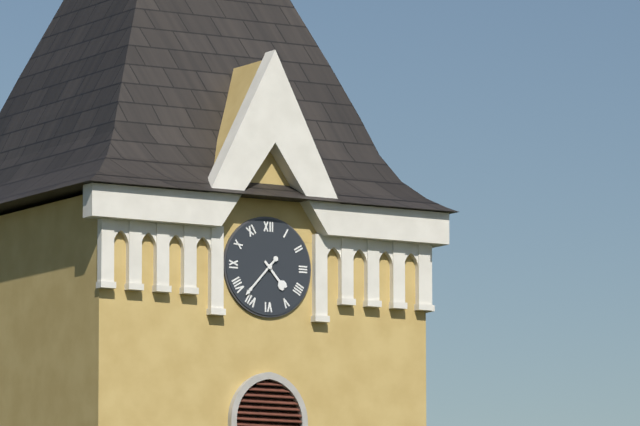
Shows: 4:37
